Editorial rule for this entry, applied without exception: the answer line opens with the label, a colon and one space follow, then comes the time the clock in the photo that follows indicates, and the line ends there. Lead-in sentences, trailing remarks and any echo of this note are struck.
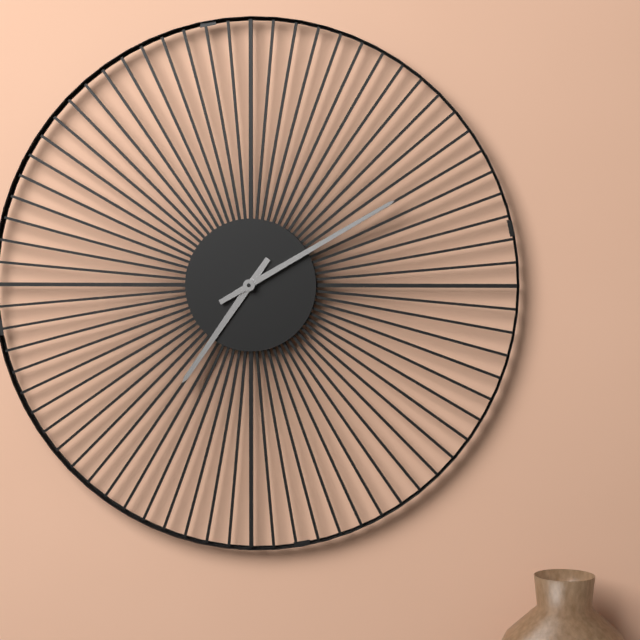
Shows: 7:10
